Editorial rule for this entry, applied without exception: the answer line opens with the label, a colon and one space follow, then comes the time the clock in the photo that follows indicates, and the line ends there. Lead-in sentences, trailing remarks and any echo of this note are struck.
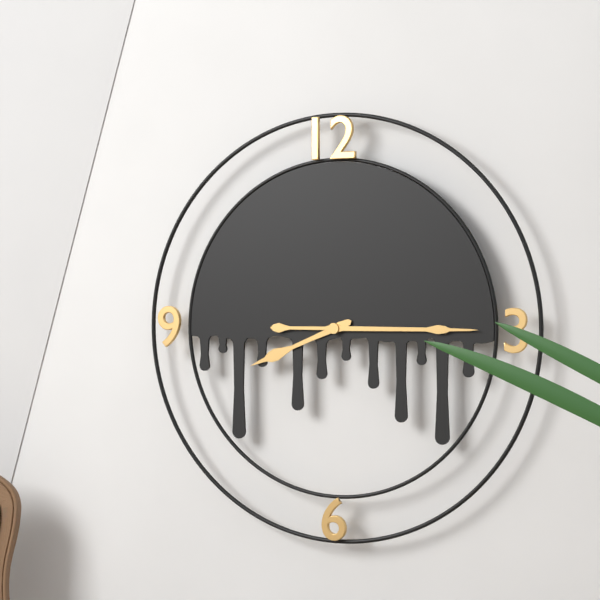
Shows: 8:15
